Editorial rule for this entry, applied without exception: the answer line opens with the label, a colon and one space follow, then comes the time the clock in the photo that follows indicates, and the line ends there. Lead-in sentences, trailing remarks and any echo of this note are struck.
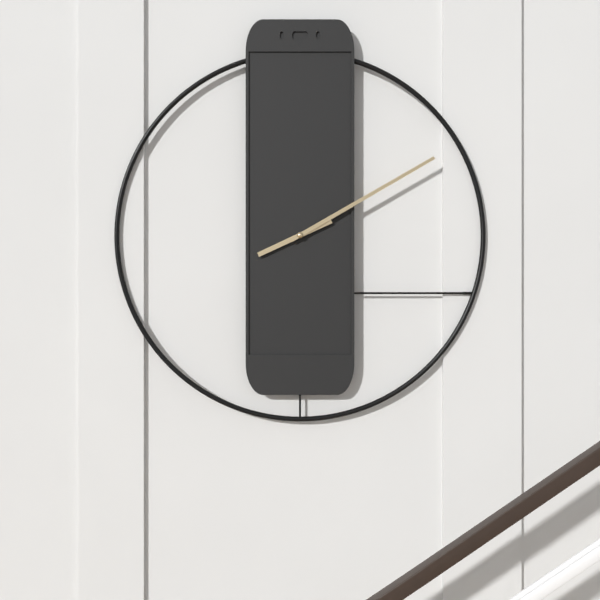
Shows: 8:10
